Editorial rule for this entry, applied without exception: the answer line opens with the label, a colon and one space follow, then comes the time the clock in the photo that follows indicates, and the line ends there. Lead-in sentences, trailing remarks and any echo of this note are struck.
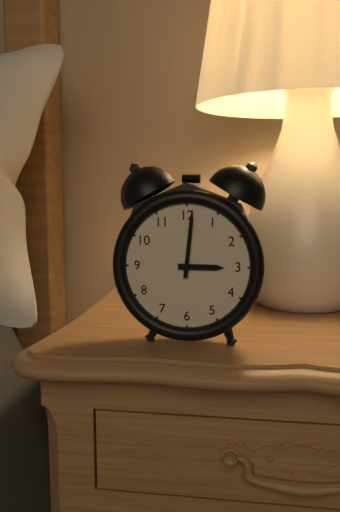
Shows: 3:01
